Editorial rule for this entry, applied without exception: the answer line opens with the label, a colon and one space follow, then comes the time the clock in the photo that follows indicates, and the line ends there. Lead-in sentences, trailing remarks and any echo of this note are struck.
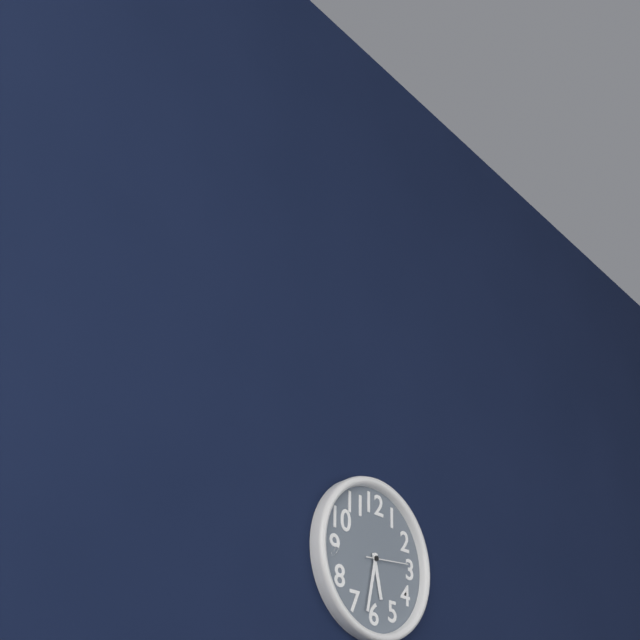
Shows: 5:32
